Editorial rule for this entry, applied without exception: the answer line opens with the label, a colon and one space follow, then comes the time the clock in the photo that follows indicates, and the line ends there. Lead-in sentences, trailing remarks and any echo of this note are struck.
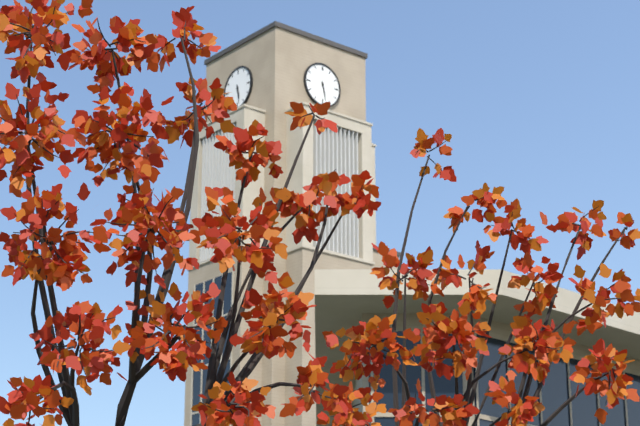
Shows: 5:28
